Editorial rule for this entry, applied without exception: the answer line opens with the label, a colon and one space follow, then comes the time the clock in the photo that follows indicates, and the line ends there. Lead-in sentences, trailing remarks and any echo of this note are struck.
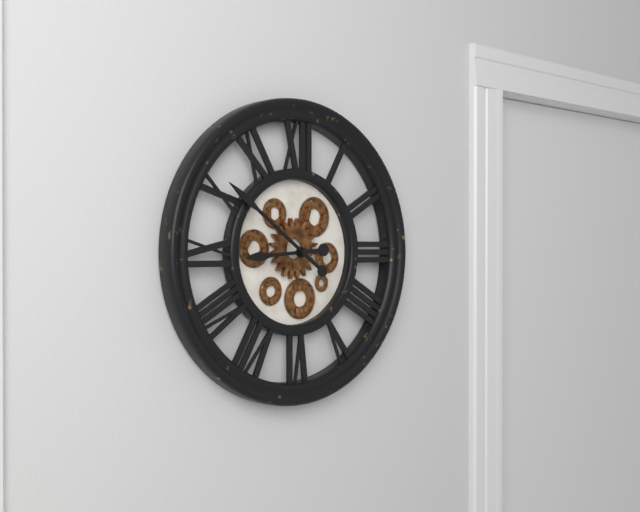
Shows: 8:51
